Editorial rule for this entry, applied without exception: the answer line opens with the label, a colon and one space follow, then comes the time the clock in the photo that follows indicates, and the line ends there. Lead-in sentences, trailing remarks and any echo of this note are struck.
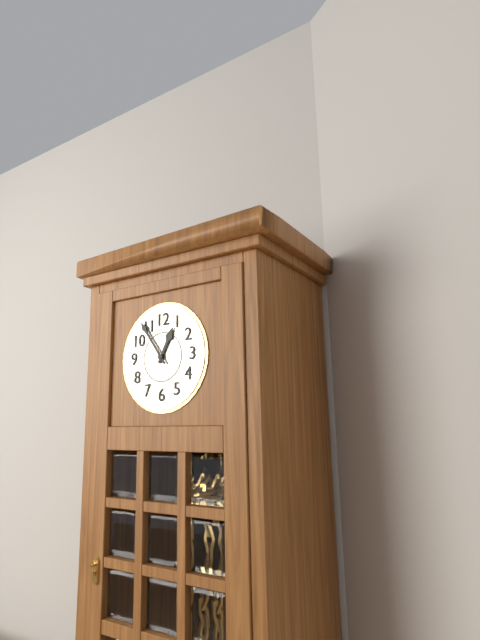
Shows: 12:54
